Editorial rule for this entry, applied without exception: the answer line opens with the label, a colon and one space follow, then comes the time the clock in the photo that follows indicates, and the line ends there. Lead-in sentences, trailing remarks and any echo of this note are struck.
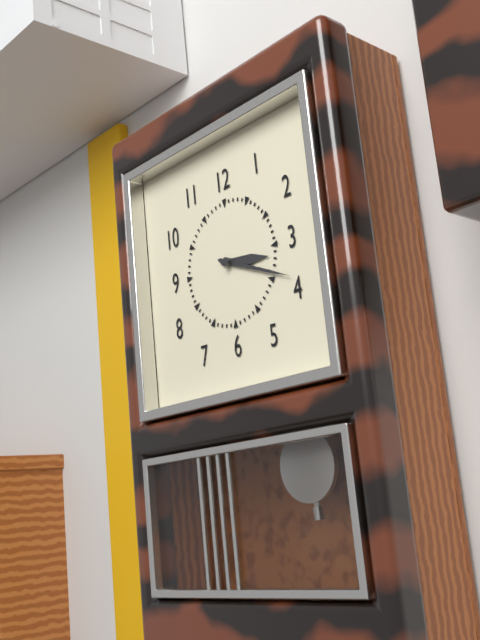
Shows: 3:19
